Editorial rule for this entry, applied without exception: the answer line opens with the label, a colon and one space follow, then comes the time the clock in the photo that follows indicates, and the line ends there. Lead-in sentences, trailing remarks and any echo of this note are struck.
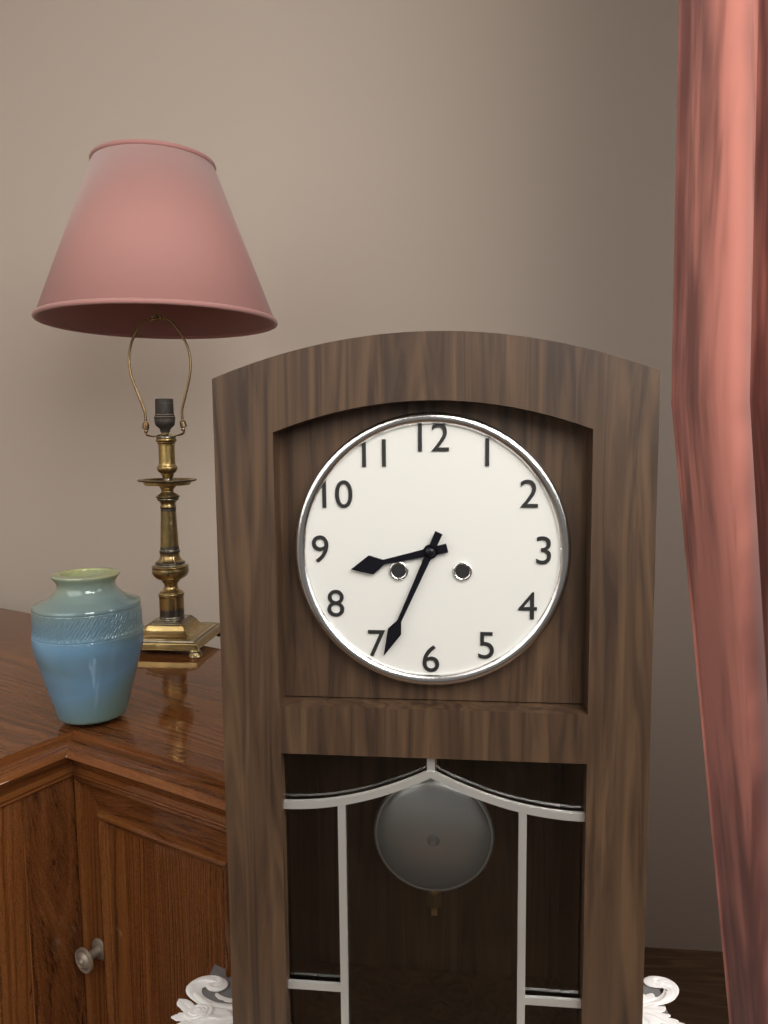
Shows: 8:34
